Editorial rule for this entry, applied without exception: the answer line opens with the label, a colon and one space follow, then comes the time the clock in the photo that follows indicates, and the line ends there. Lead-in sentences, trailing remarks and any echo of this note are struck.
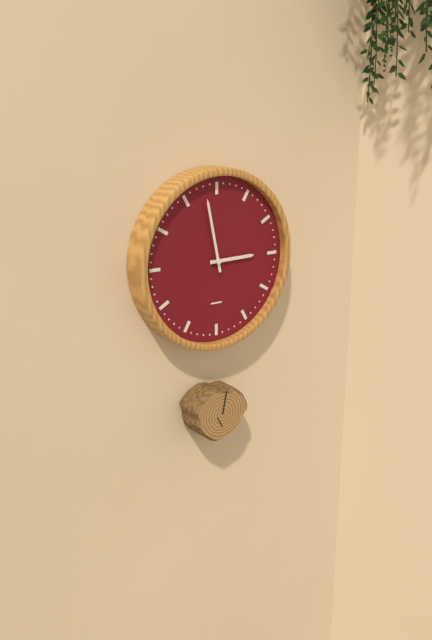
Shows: 2:58
